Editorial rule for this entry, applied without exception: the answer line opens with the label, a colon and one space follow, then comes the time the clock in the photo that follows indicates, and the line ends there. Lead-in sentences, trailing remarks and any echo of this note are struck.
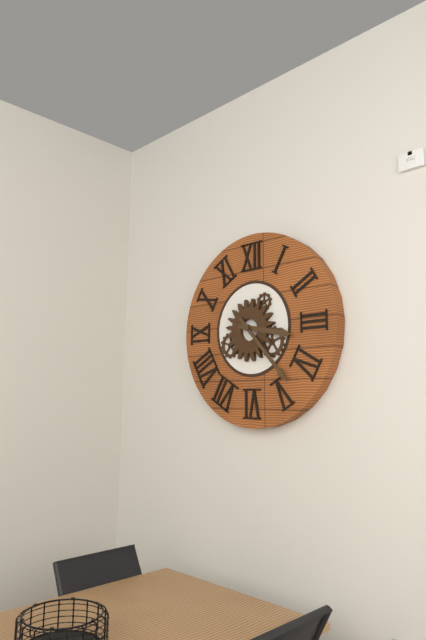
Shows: 3:23
